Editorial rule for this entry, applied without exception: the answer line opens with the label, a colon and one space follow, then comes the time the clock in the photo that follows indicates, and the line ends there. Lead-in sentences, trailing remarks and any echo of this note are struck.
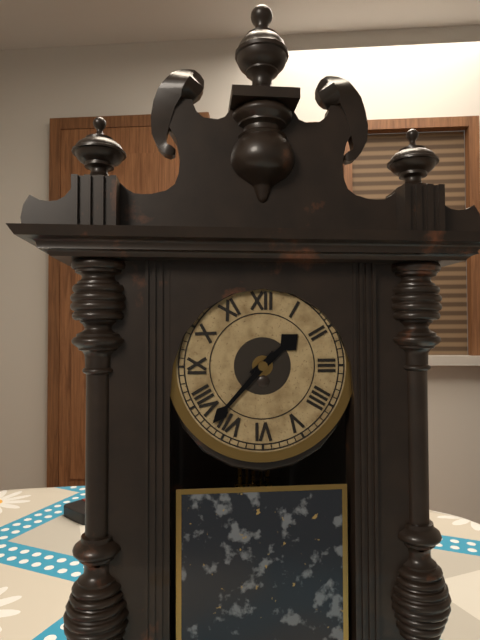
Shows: 1:37
